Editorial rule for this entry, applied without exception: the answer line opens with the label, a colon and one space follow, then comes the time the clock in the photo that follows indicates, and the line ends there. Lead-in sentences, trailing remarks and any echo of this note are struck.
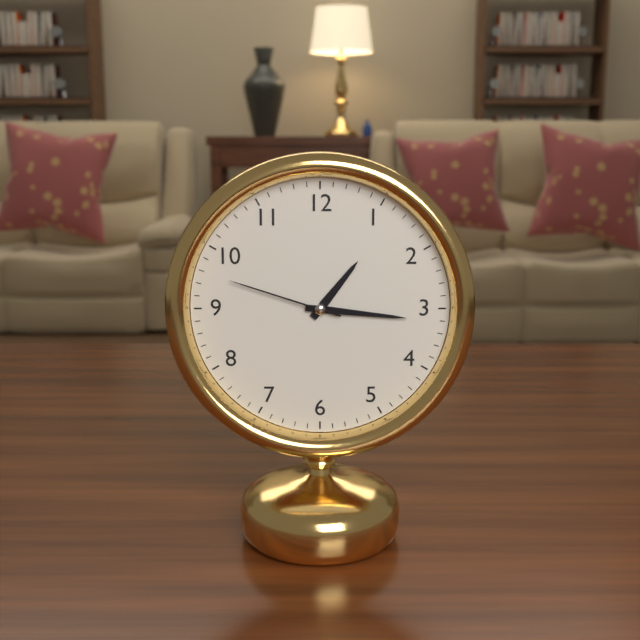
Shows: 1:16:48
